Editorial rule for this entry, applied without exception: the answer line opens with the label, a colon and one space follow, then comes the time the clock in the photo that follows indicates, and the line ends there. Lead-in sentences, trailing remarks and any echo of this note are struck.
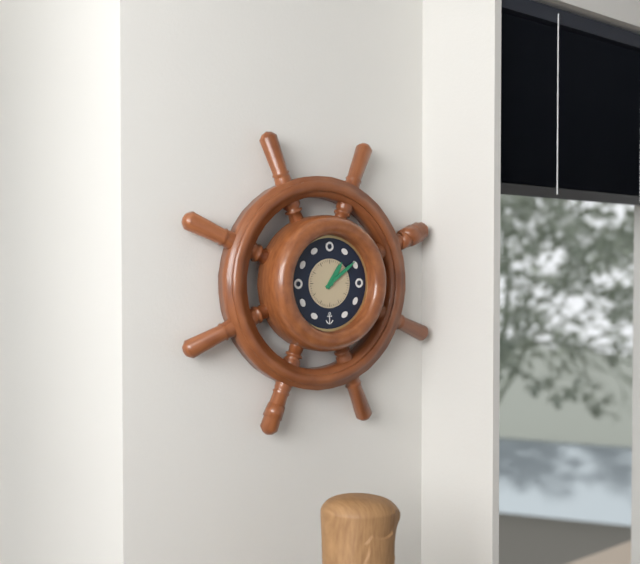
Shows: 1:09
